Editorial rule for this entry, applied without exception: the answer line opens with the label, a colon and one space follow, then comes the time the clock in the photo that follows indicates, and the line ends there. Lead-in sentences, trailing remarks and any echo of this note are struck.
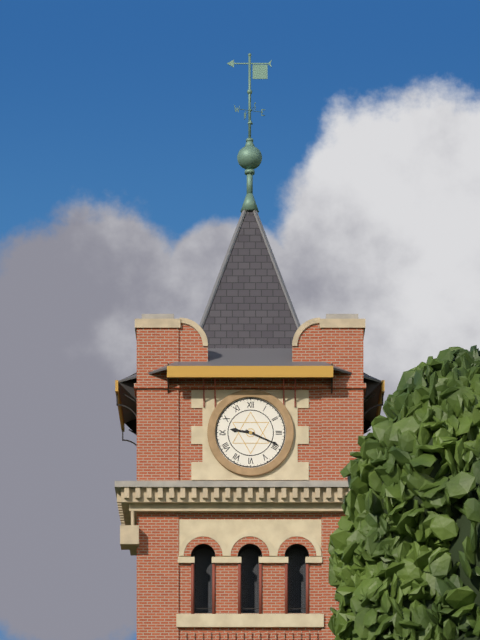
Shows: 9:19
